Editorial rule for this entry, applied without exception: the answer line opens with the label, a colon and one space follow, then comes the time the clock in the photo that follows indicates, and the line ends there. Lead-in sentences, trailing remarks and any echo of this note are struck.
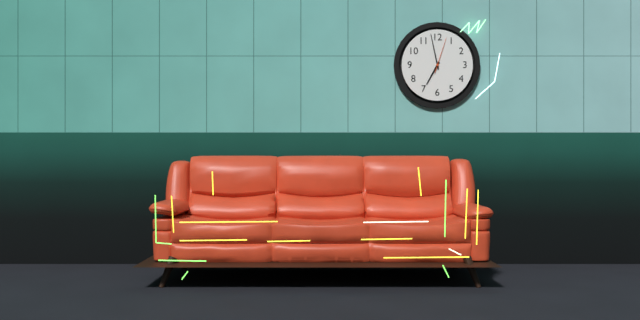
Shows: 6:58
